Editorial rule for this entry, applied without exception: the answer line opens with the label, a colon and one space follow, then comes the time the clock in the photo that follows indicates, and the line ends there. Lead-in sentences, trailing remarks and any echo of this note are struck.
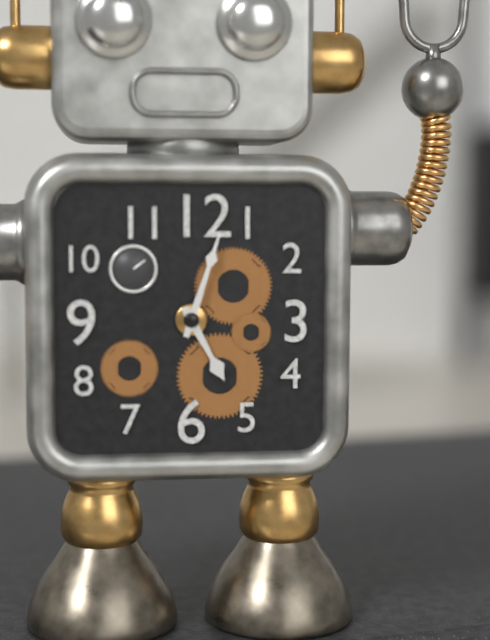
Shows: 5:03
